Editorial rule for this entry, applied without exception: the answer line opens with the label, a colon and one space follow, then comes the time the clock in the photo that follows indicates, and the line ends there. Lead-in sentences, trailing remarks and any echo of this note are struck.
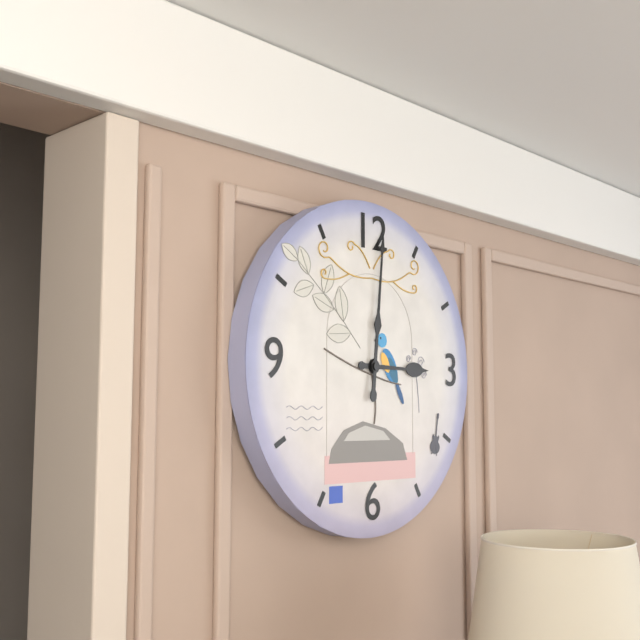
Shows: 3:01
